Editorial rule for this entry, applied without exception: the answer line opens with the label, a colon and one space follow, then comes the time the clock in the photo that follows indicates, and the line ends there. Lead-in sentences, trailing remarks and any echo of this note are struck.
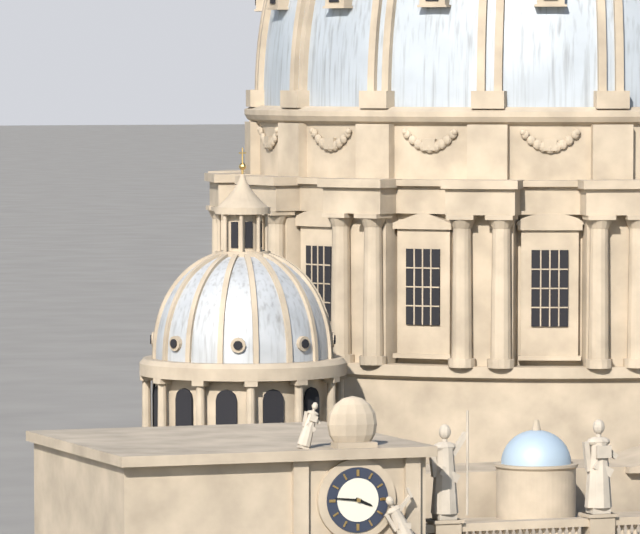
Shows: 3:46
